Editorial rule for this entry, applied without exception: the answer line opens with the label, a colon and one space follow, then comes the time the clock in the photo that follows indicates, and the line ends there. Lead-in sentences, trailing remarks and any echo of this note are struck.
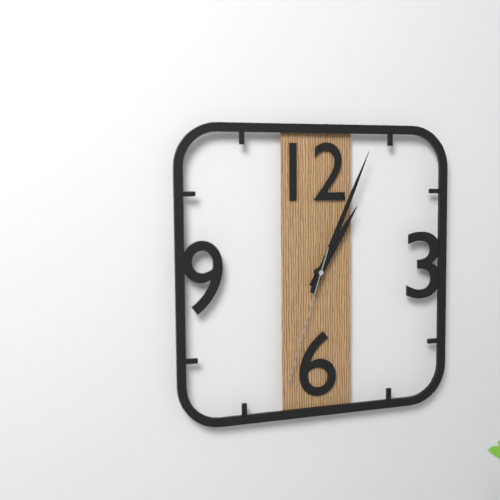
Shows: 1:04:33
